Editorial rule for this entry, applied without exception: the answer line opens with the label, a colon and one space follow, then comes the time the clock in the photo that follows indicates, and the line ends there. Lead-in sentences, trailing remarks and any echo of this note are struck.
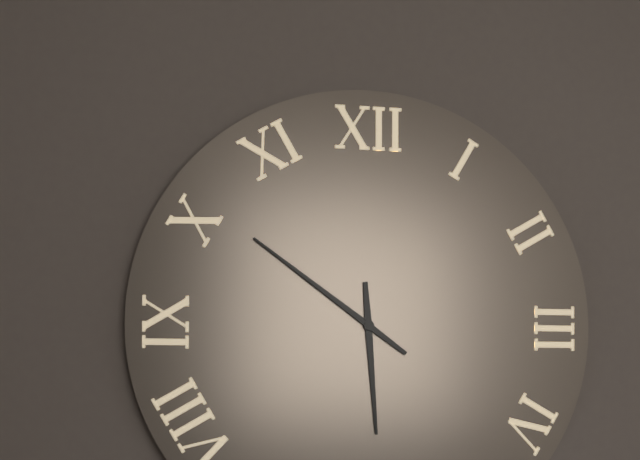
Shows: 5:51
